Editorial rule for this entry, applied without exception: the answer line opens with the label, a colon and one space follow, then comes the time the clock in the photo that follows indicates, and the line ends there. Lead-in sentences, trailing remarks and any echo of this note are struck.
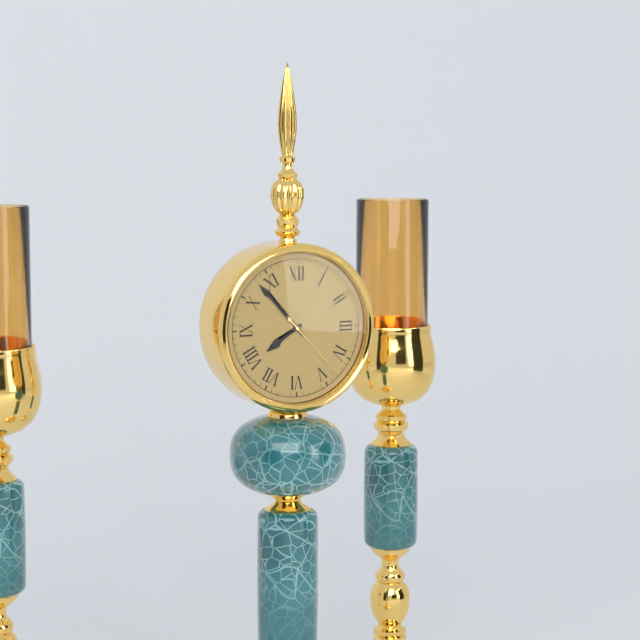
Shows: 7:53:23
